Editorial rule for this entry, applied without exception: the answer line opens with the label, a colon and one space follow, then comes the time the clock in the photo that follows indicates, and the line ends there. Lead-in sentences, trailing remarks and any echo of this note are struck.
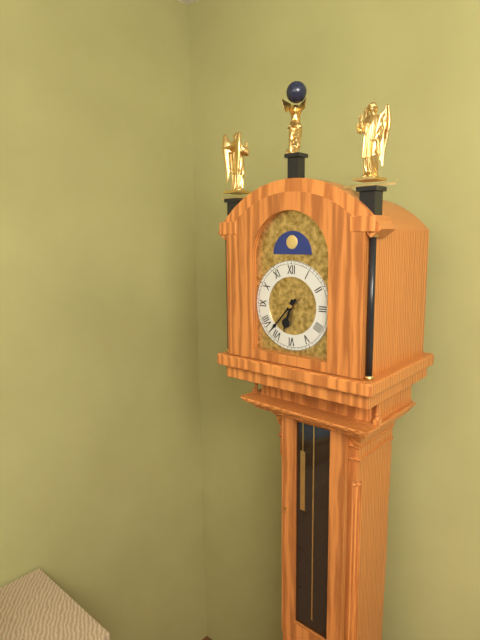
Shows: 6:37
